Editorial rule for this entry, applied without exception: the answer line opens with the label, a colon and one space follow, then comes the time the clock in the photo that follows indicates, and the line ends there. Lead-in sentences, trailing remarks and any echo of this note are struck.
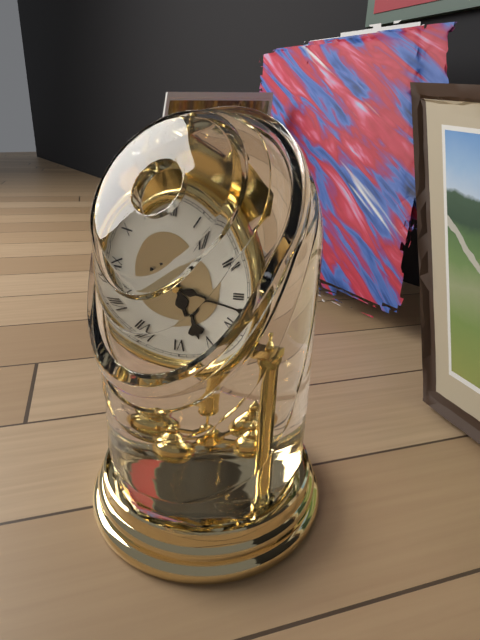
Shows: 5:17
